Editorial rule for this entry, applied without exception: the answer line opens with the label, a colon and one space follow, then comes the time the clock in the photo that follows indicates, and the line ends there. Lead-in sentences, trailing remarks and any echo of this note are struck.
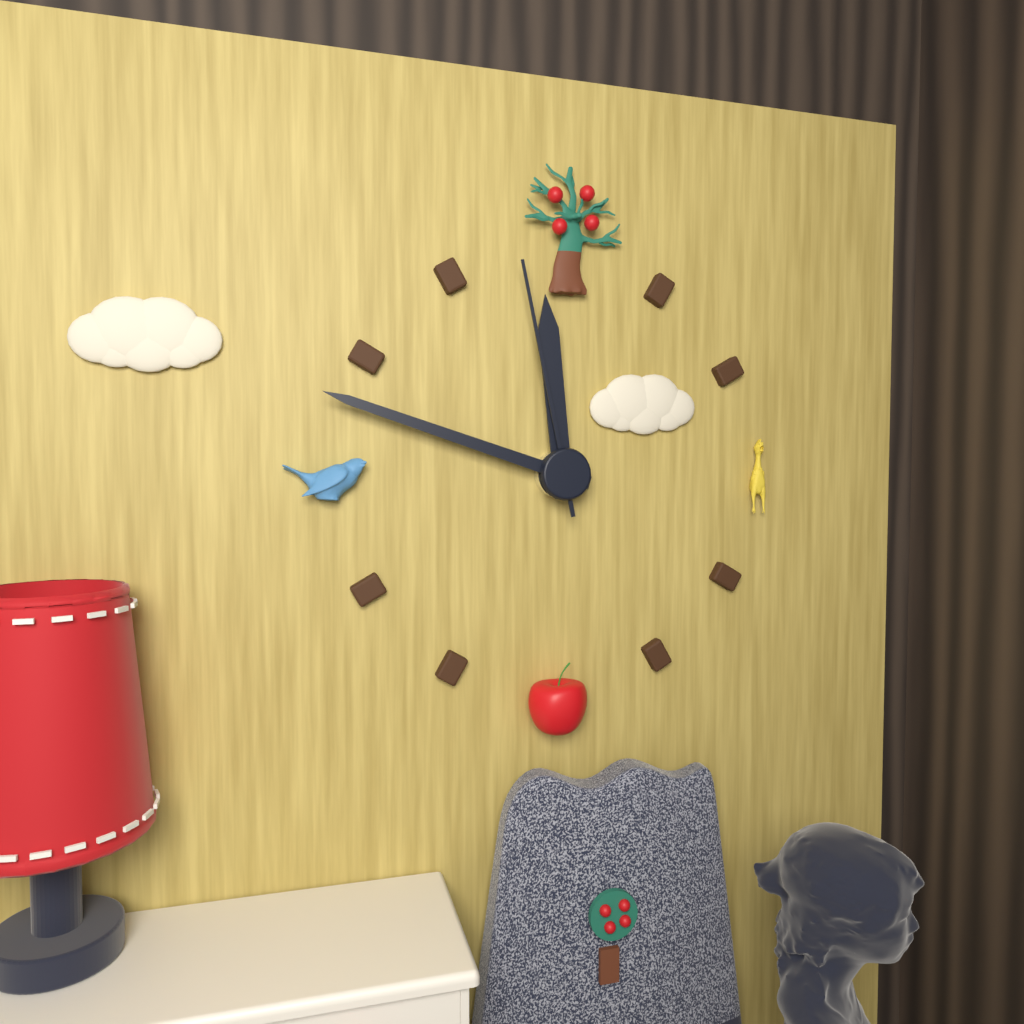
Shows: 11:48:58
